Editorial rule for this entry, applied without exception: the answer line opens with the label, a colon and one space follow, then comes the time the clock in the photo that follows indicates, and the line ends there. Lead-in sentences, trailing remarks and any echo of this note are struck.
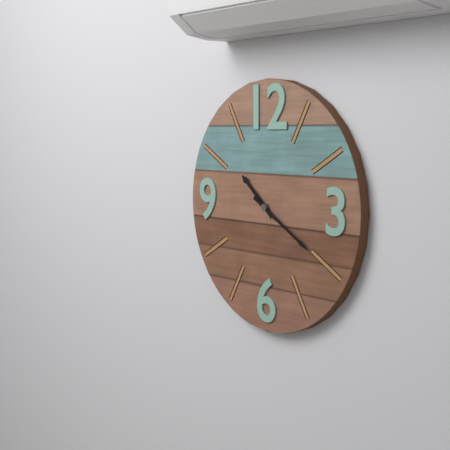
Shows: 10:20
